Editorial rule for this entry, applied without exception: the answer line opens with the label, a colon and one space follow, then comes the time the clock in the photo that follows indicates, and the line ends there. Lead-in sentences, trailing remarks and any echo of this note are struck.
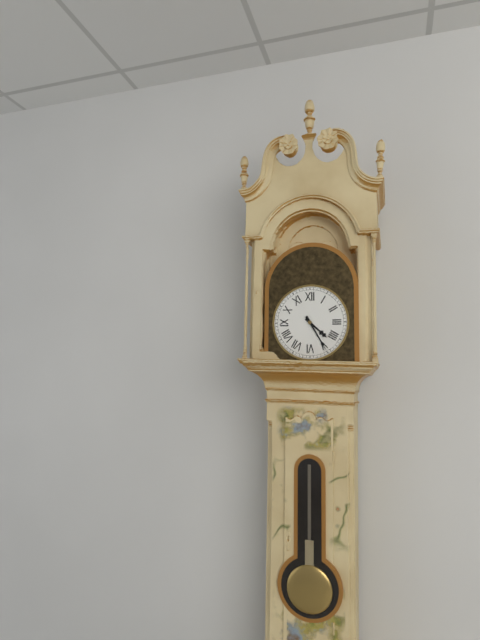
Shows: 4:25
